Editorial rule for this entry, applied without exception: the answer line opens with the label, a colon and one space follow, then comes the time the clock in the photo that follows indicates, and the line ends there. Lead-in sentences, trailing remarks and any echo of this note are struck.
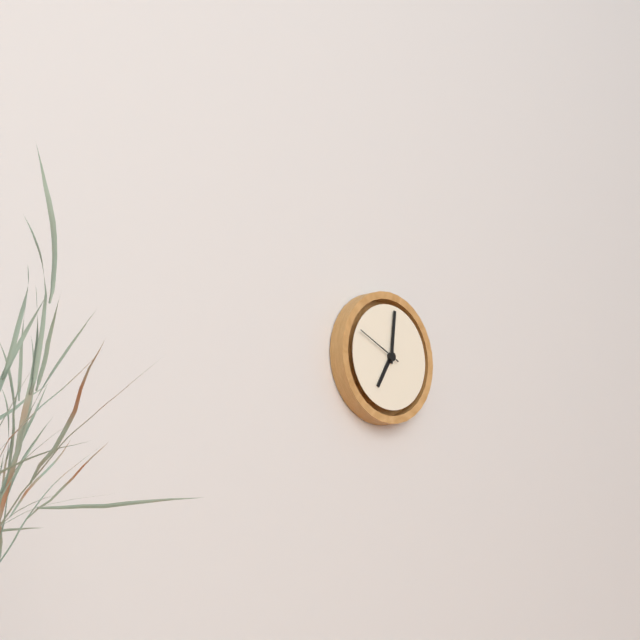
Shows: 7:01:49
